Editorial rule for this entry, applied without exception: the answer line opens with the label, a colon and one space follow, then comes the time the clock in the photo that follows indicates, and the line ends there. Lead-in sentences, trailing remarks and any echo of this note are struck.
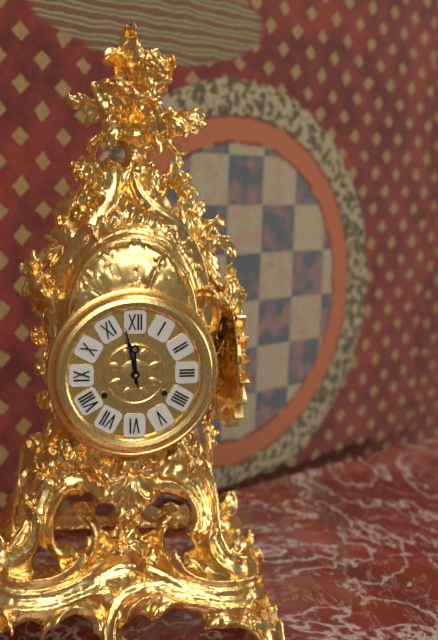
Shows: 11:58
